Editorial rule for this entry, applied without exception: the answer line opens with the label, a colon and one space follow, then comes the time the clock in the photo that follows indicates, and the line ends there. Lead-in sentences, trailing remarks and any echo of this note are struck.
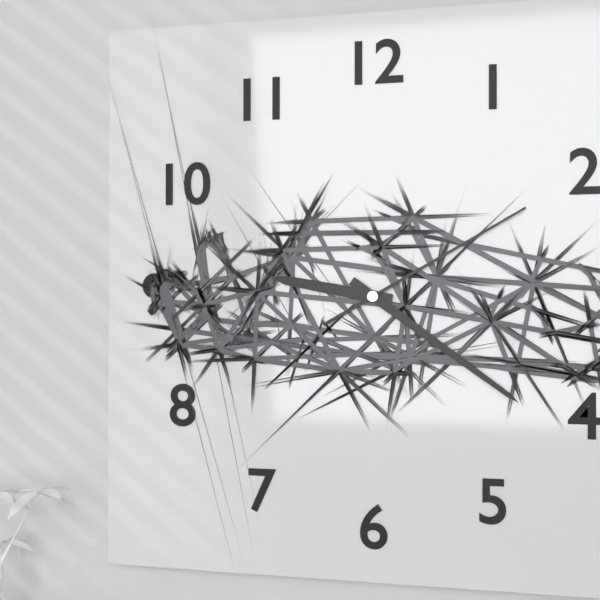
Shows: 9:21:10
